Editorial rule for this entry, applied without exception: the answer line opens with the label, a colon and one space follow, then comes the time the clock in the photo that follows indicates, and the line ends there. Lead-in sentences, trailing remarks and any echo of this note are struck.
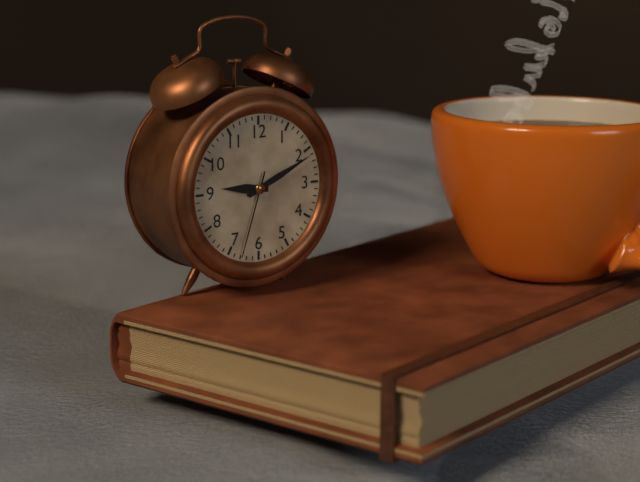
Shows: 9:11:33
